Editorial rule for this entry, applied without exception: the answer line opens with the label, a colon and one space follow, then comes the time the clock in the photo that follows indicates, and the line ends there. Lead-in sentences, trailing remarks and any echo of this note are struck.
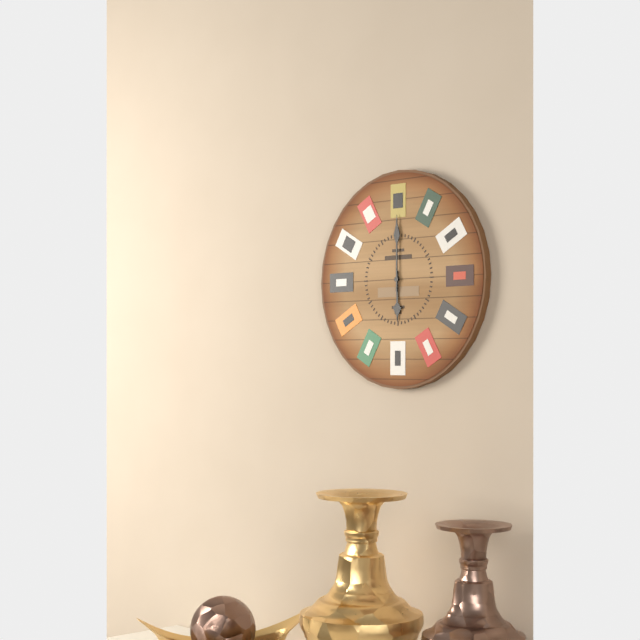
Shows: 6:00
